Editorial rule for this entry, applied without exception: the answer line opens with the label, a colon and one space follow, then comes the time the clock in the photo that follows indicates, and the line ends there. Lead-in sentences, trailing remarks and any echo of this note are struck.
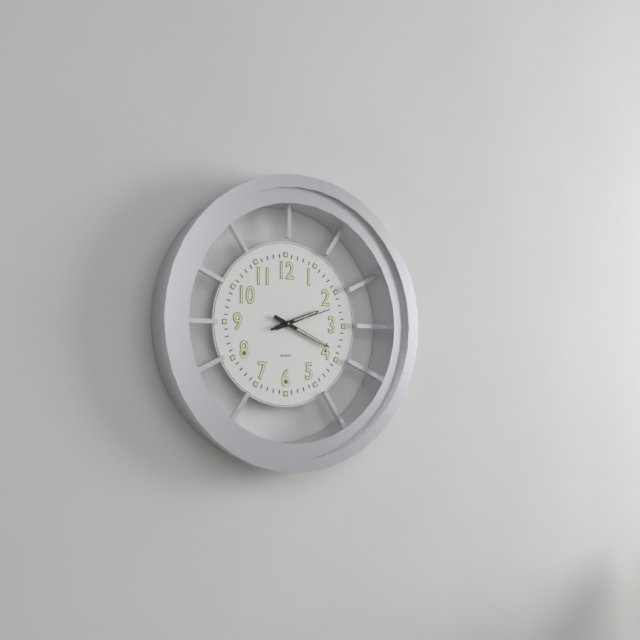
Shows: 2:19:12
